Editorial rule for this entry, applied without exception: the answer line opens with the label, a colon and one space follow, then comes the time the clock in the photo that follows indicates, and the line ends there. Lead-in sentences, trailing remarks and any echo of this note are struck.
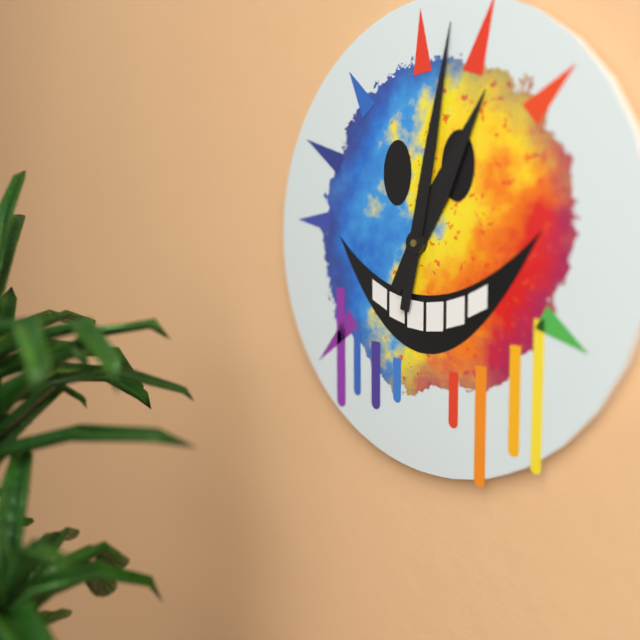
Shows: 1:02
